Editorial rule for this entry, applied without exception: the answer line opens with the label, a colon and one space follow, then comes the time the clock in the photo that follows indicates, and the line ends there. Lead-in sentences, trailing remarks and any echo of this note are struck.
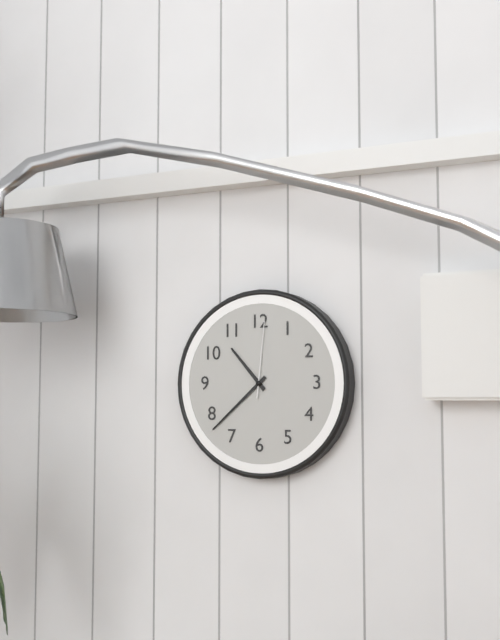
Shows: 10:38:01
